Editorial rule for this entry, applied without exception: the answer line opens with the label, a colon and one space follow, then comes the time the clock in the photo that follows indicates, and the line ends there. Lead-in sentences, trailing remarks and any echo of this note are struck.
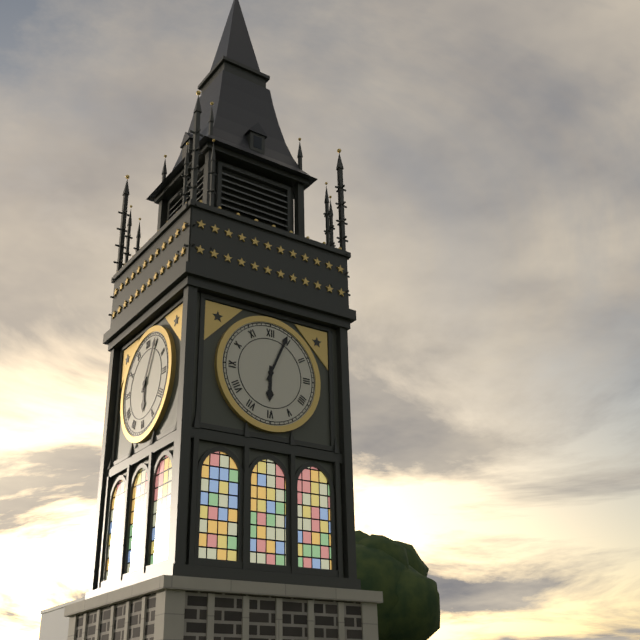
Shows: 6:04
